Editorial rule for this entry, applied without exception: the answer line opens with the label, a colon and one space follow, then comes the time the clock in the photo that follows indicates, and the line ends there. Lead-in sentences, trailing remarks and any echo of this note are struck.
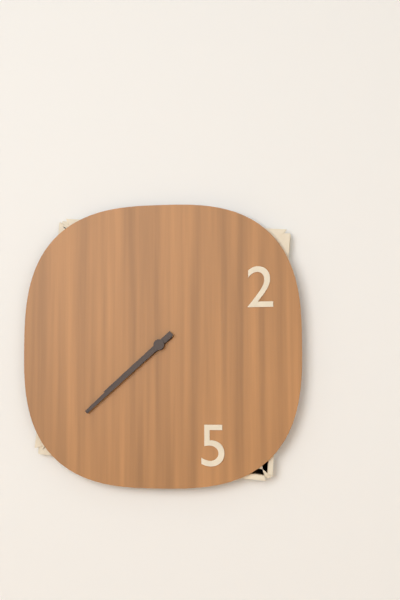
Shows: 7:38
